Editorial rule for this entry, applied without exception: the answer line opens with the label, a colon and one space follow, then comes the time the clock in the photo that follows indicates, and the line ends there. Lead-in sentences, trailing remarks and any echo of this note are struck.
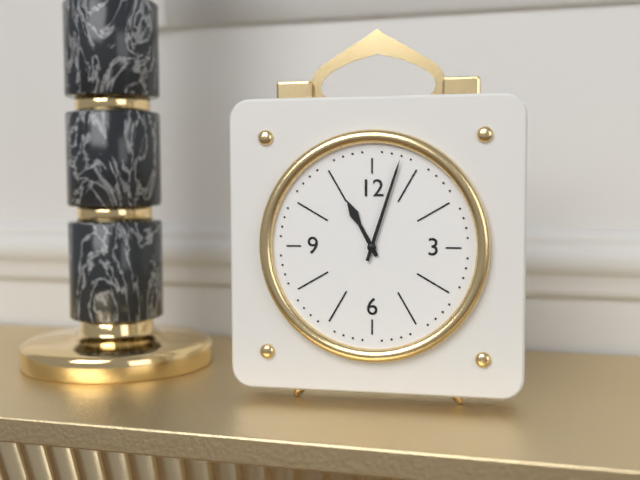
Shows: 11:03
